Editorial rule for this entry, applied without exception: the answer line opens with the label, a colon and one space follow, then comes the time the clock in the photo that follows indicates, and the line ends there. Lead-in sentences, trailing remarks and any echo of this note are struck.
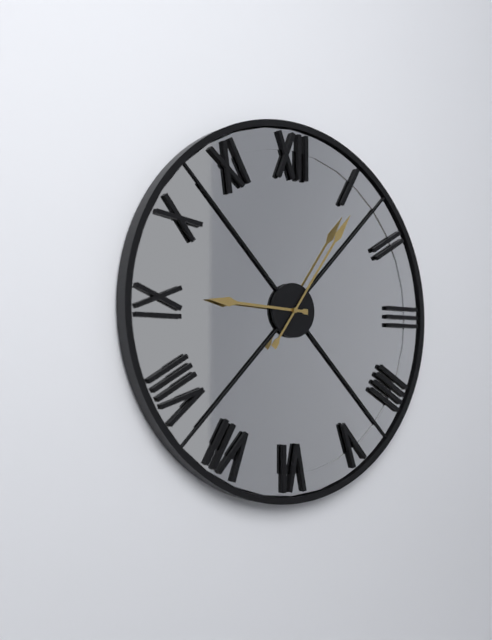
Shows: 9:06
